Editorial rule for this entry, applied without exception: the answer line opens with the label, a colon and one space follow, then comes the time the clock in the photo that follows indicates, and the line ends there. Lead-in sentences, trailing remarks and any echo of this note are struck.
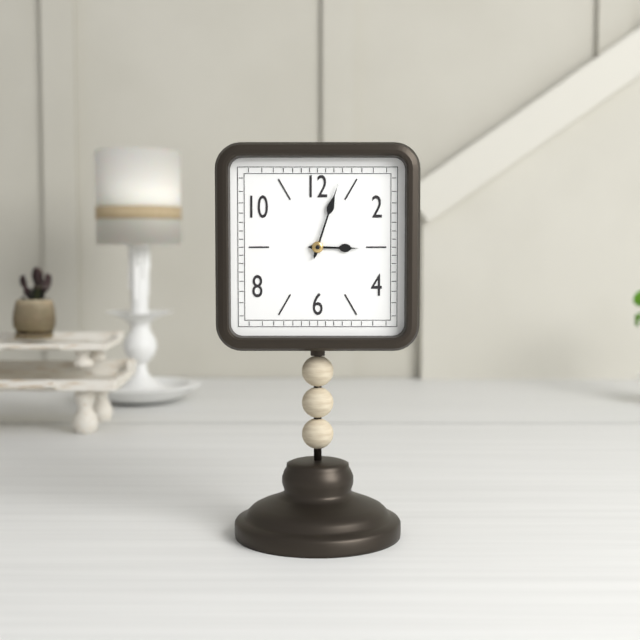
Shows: 3:03
